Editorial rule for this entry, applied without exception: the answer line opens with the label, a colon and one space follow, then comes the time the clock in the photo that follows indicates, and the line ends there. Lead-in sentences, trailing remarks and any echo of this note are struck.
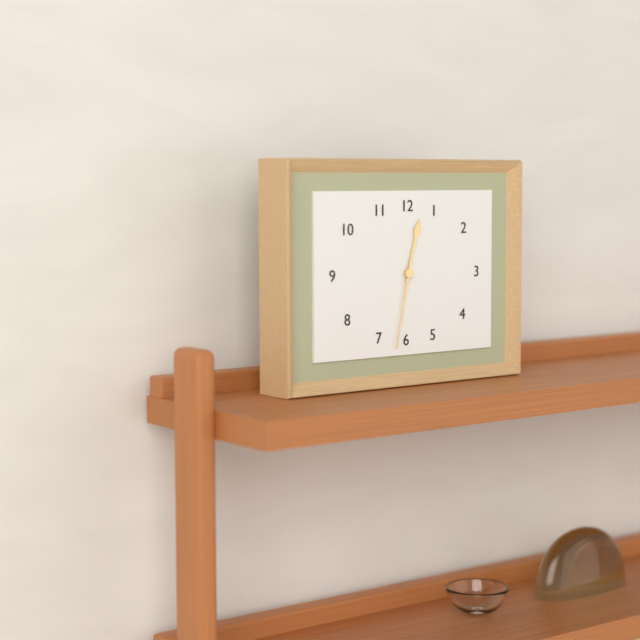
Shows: 12:32
